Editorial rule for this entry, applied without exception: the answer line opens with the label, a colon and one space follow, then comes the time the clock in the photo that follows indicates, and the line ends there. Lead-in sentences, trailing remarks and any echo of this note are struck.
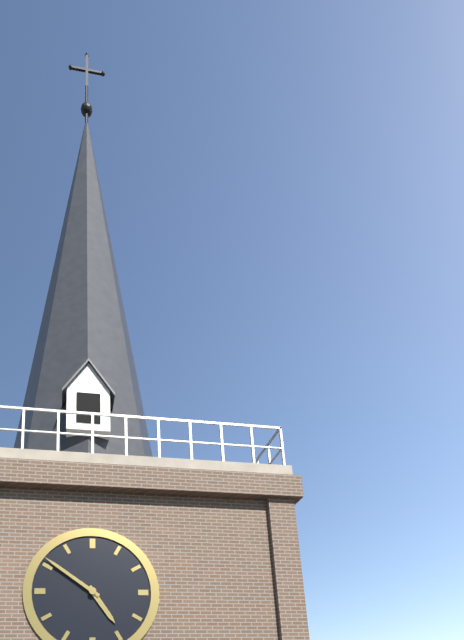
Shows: 4:51
